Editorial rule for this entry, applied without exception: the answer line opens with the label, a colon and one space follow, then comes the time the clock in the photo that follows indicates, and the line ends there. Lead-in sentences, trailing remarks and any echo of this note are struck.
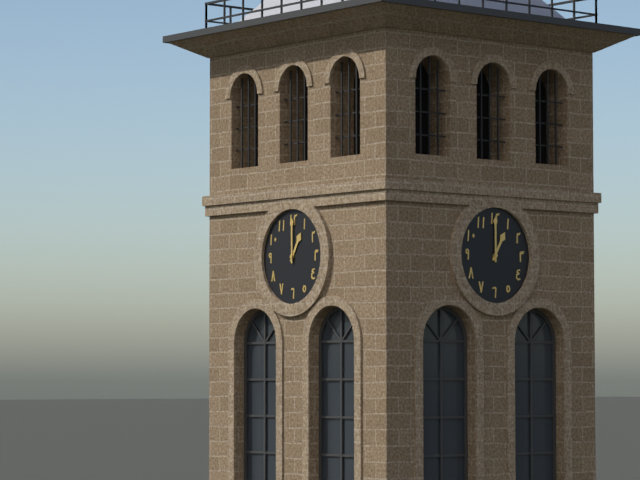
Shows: 1:00
